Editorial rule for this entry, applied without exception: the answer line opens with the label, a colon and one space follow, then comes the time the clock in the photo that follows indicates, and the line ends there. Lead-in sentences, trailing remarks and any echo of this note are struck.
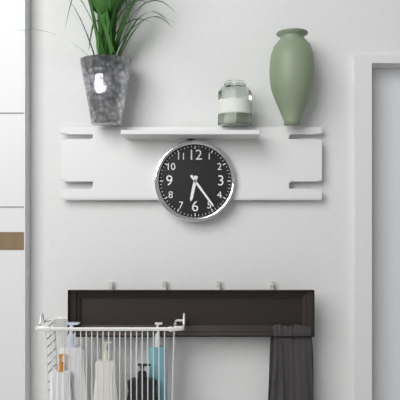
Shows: 6:24
